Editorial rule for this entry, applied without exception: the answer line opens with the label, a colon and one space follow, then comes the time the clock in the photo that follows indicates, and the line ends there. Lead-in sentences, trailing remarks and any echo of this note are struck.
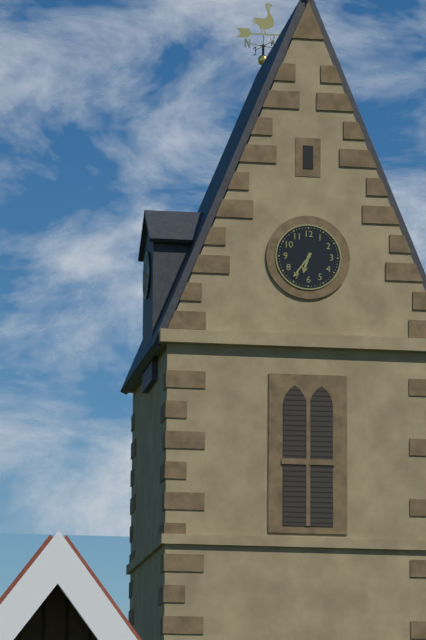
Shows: 6:36
